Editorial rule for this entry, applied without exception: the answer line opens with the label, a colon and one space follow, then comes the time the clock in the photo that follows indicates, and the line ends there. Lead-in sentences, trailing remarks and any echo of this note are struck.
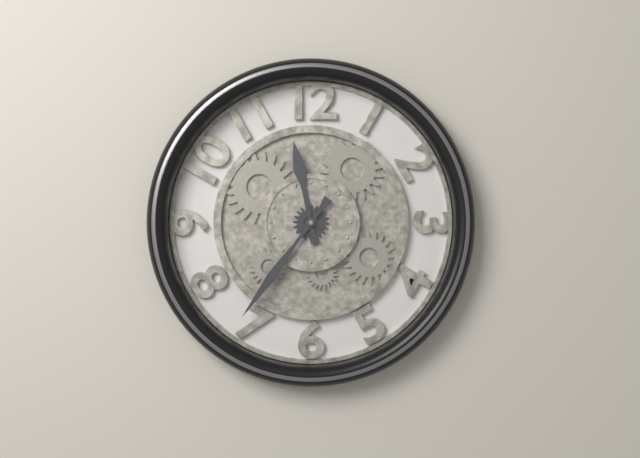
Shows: 11:36
